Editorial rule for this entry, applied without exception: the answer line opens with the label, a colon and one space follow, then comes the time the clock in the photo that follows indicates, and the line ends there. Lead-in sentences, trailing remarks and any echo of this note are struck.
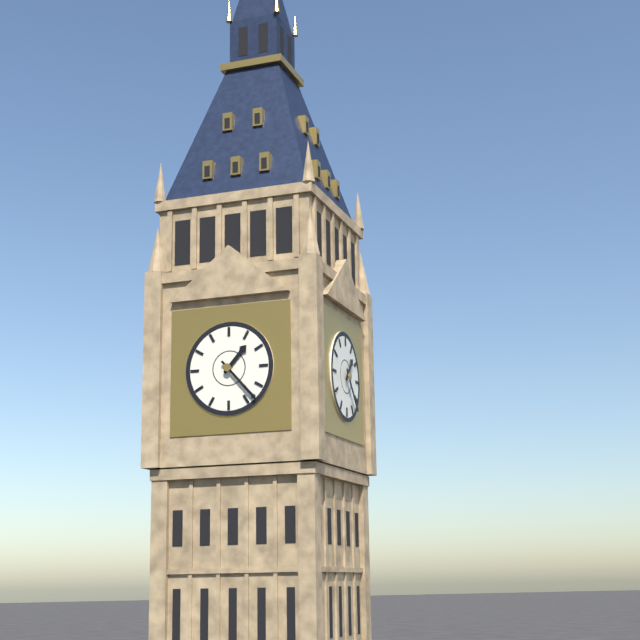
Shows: 1:23
